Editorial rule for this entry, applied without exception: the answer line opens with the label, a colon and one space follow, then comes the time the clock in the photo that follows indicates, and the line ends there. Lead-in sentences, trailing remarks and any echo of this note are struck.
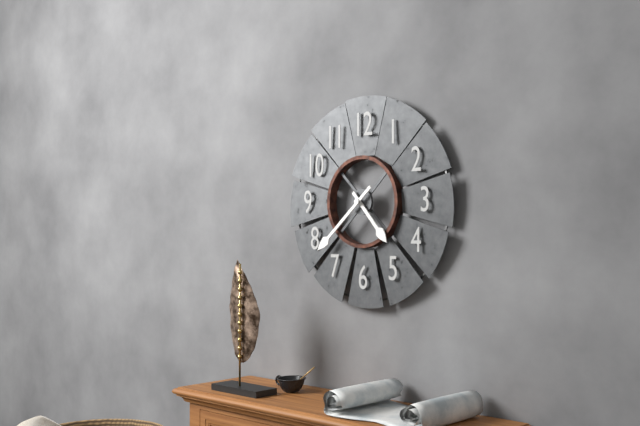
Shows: 4:38
